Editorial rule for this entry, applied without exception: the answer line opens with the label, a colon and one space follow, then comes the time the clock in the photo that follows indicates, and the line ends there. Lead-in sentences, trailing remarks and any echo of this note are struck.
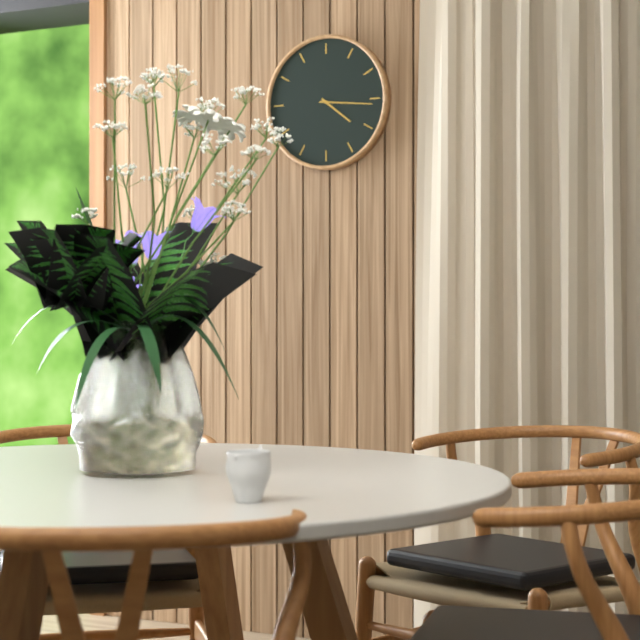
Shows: 4:16
